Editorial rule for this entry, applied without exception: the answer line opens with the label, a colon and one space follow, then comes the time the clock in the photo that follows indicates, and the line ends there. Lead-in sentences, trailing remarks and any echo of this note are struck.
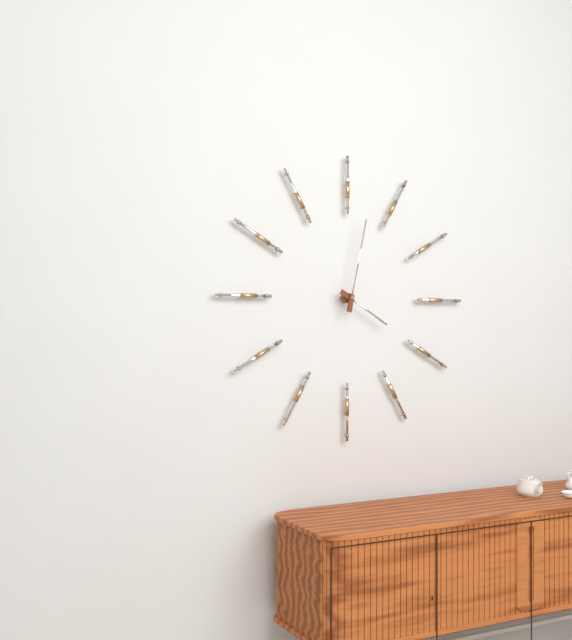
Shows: 4:02
